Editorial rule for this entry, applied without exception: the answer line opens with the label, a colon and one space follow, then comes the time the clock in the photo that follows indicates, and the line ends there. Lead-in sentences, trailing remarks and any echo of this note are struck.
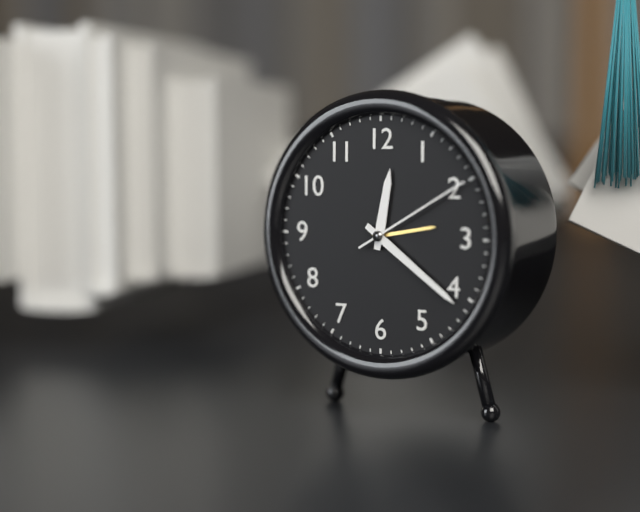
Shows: 12:21:10
